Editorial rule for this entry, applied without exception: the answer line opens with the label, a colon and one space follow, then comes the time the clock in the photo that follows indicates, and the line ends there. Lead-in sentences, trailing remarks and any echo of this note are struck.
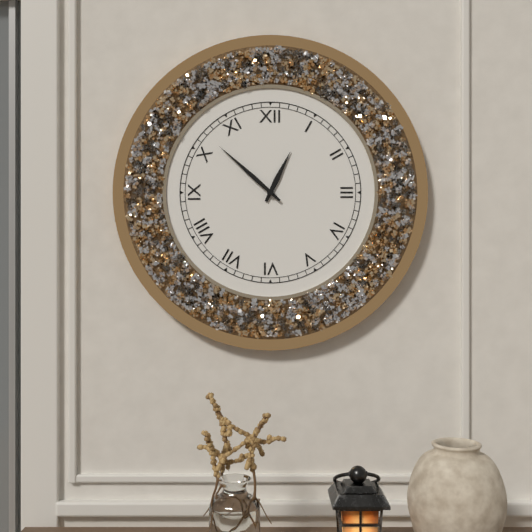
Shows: 12:52
